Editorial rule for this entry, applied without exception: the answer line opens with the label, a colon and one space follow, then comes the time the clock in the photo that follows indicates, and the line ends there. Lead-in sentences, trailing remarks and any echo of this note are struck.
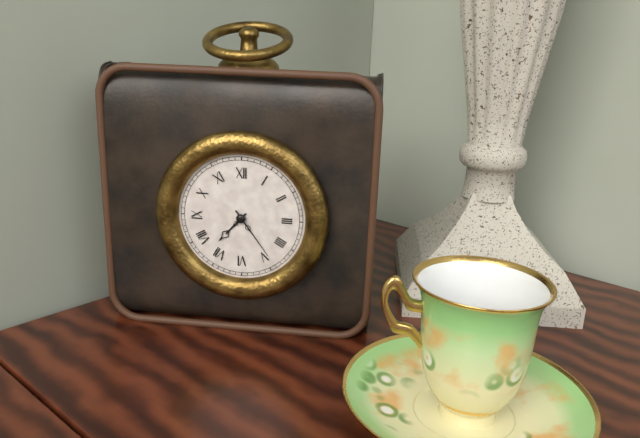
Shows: 7:24
